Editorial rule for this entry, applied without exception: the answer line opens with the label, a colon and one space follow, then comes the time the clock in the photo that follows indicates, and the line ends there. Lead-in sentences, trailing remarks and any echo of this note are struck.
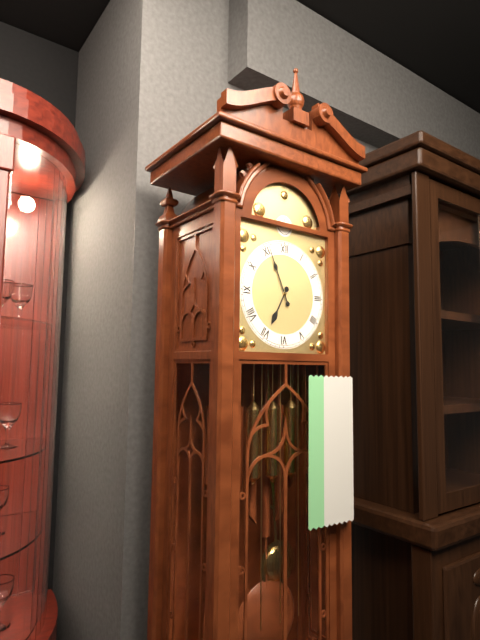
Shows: 6:56
